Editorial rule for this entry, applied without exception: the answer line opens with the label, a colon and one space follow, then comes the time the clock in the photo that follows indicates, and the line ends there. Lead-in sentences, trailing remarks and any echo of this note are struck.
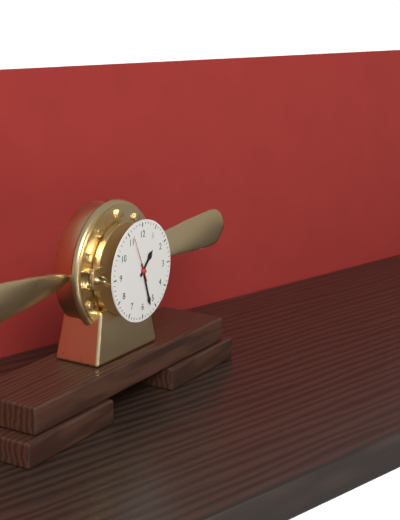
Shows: 1:27
